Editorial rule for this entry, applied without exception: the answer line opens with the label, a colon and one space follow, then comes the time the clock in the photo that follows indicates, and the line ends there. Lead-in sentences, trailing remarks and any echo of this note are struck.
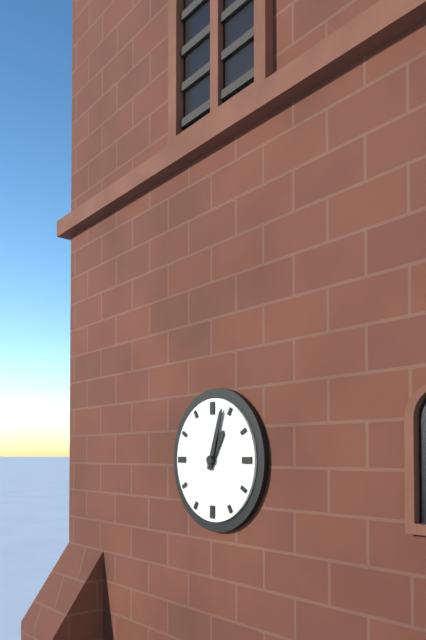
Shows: 1:03
